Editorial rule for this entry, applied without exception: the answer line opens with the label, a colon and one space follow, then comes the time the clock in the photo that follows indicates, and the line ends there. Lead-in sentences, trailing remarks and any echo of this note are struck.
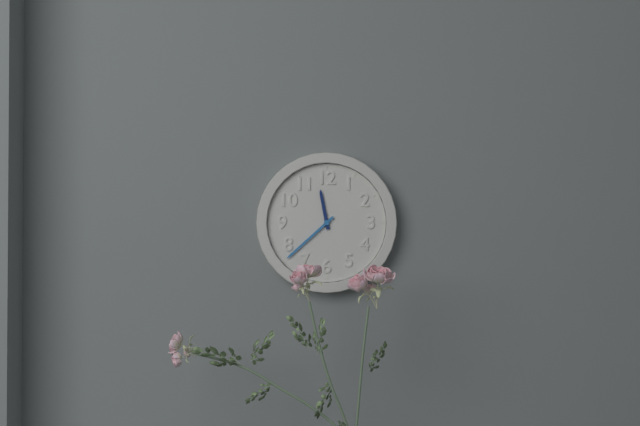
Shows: 11:38
